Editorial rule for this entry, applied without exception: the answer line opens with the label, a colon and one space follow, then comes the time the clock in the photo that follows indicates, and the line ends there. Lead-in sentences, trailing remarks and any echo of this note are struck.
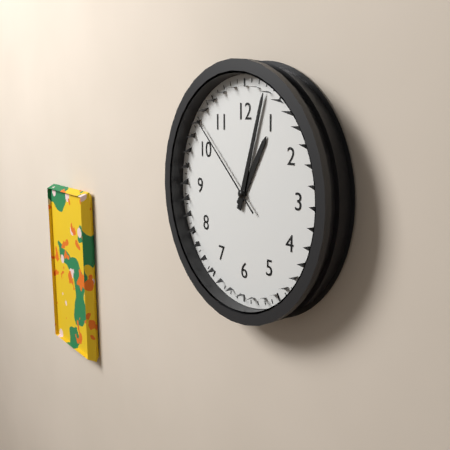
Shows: 1:03:52
